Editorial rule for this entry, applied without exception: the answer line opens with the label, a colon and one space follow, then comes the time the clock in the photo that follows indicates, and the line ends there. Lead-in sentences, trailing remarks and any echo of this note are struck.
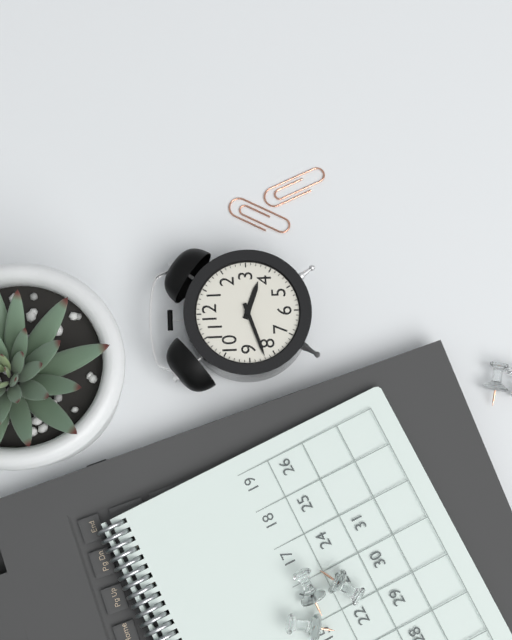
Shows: 3:42
